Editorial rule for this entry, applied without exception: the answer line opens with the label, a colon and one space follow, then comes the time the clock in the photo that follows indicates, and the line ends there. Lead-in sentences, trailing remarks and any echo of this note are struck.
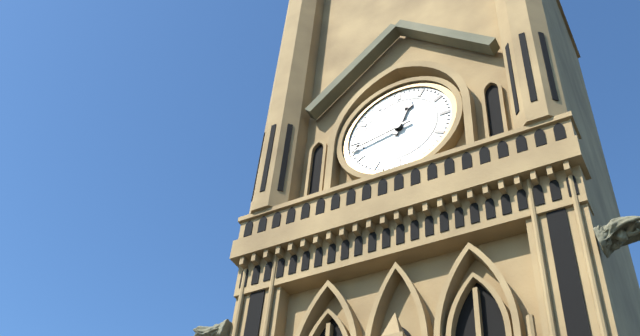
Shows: 12:43
